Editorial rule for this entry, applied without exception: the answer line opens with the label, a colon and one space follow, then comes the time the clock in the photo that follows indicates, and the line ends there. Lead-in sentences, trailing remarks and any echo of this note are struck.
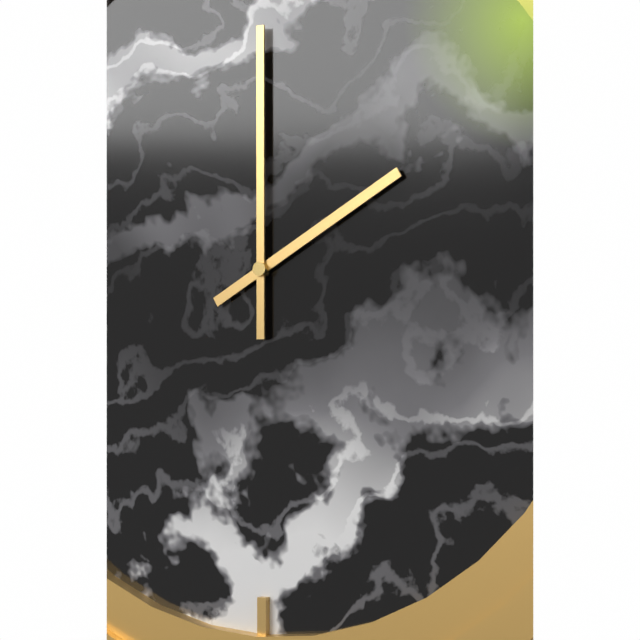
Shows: 2:00
